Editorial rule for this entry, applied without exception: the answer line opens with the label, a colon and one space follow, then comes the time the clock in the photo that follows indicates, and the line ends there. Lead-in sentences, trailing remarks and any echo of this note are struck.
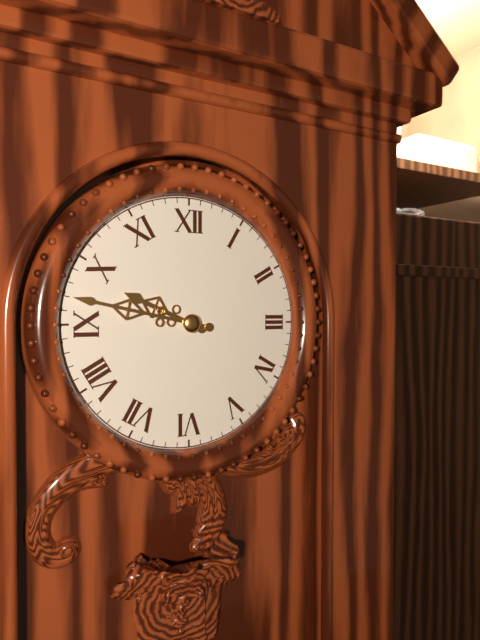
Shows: 9:47
